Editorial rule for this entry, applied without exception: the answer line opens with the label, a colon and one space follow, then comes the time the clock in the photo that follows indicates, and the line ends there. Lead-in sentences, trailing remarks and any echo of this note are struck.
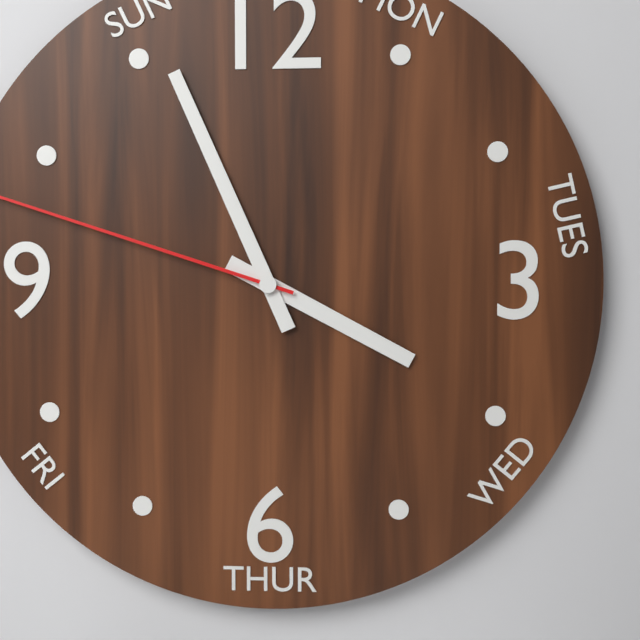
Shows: 3:56
